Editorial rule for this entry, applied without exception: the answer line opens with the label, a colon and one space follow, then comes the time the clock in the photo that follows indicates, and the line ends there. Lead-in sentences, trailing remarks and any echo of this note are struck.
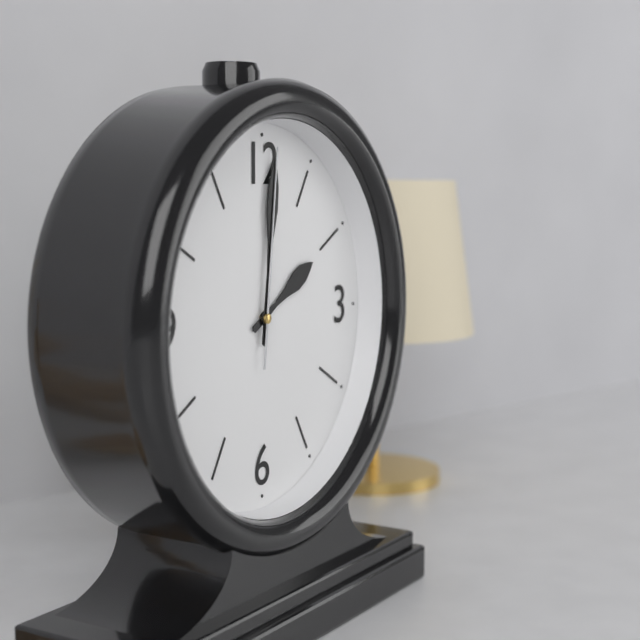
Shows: 2:01:01
